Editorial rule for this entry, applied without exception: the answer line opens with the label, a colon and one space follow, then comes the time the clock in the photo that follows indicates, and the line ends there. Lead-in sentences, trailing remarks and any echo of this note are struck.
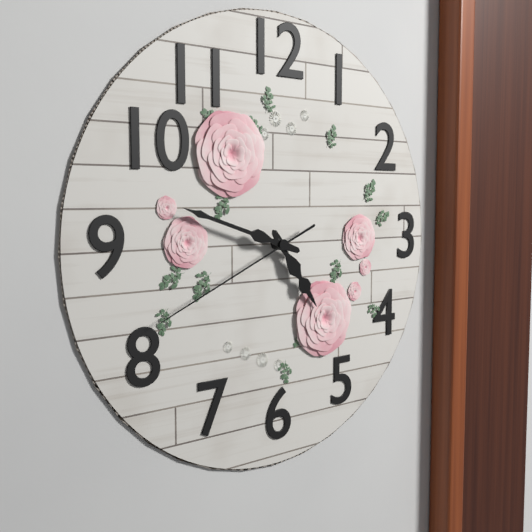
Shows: 4:48:41
